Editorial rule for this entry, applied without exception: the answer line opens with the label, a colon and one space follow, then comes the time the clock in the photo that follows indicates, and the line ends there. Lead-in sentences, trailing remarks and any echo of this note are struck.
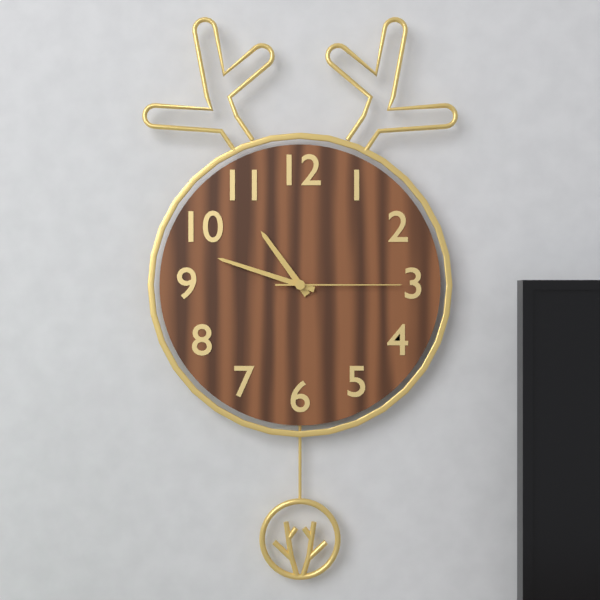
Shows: 10:48:15
